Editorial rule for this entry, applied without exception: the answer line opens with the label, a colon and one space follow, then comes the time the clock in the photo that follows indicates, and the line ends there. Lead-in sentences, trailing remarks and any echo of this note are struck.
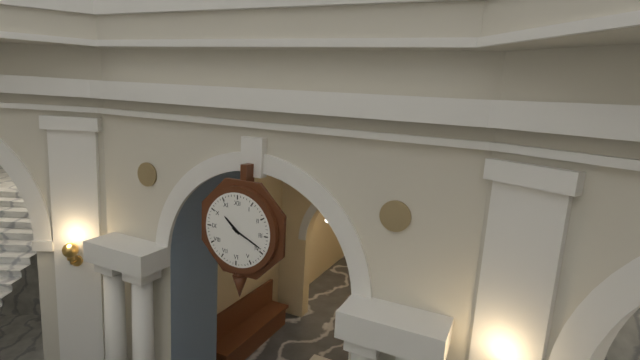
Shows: 10:19
